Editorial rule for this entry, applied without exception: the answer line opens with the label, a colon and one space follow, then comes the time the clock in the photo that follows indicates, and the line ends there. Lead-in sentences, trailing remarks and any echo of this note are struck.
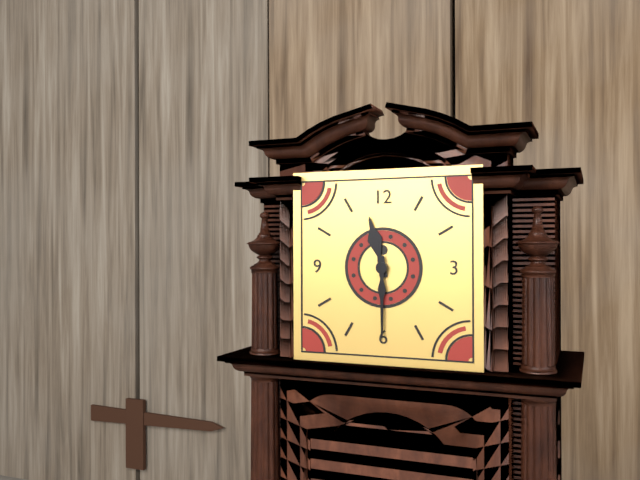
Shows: 11:30
